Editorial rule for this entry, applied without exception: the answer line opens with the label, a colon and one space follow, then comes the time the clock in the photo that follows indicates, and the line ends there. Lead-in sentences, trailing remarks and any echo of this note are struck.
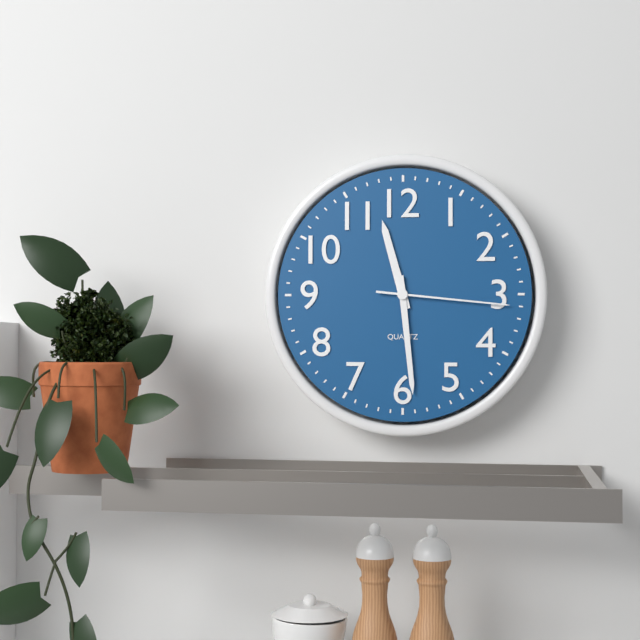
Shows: 11:29:16
